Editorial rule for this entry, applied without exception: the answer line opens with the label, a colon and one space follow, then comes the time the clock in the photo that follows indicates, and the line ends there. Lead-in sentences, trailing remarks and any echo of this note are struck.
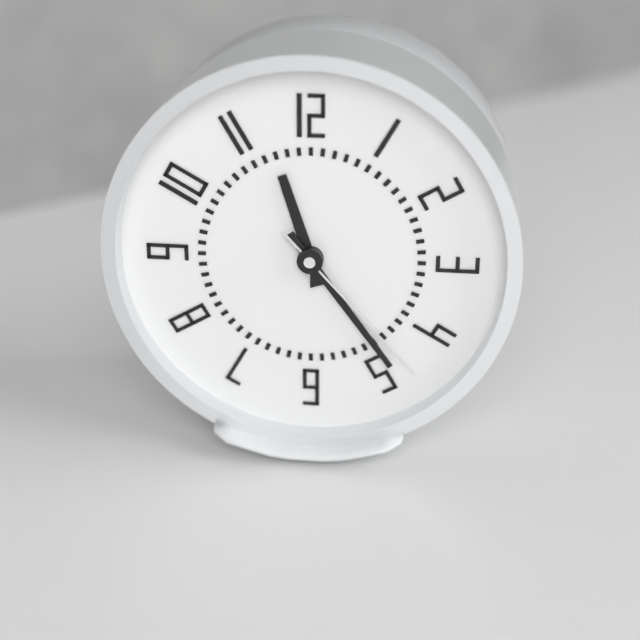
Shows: 11:24:23
